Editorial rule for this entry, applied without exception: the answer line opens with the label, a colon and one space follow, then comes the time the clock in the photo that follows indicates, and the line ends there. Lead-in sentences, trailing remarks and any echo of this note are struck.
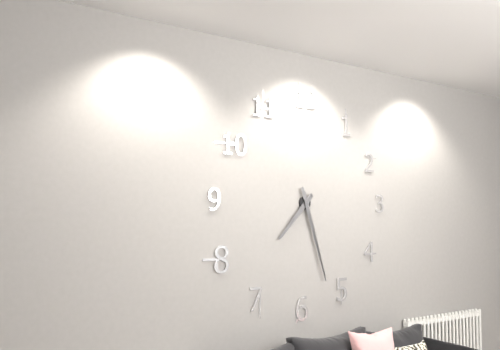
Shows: 7:27
